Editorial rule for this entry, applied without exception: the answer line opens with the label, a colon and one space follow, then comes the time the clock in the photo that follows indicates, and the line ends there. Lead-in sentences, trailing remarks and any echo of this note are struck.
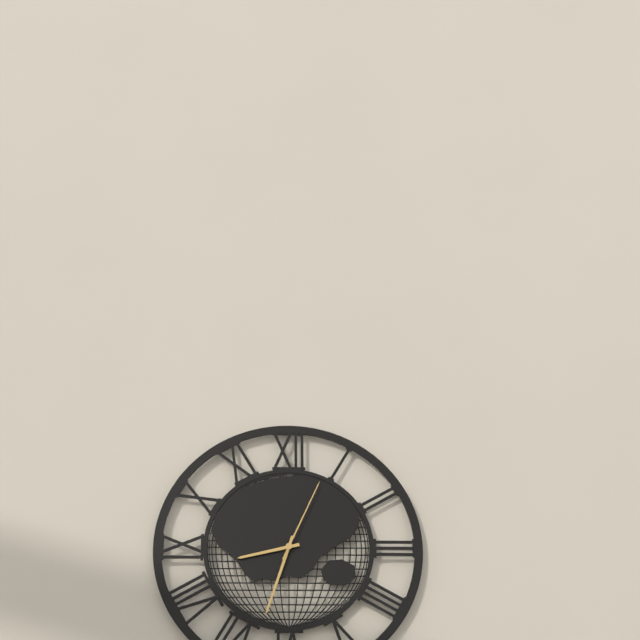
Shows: 8:33:04
